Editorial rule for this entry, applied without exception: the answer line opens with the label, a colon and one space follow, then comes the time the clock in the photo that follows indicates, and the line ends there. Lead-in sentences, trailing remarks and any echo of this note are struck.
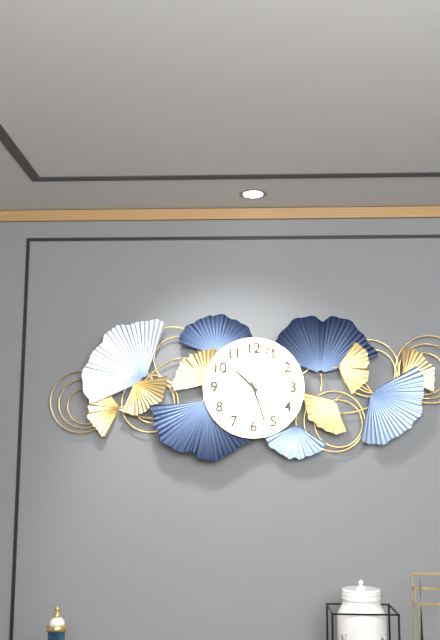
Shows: 10:27
